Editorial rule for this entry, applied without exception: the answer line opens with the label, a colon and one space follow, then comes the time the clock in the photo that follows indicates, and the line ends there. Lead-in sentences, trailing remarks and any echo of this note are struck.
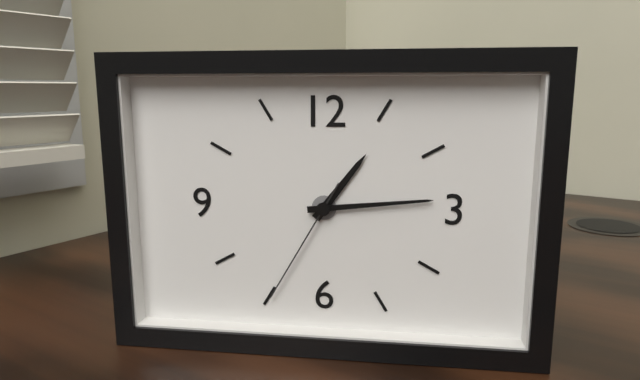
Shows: 1:14:35
